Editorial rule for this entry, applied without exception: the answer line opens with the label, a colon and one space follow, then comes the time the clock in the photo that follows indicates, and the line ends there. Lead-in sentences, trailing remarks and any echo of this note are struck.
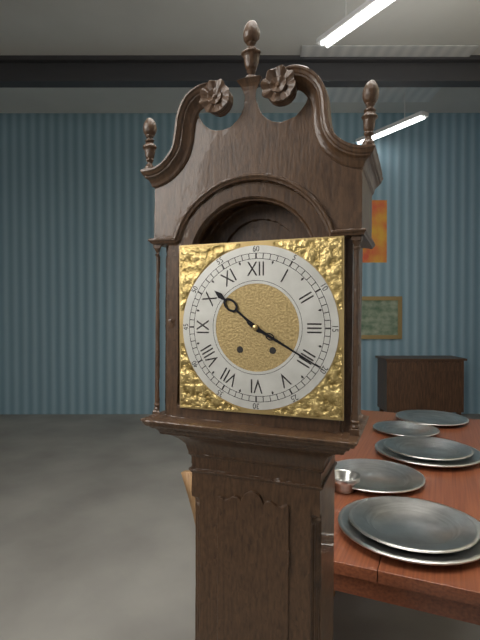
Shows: 10:20
